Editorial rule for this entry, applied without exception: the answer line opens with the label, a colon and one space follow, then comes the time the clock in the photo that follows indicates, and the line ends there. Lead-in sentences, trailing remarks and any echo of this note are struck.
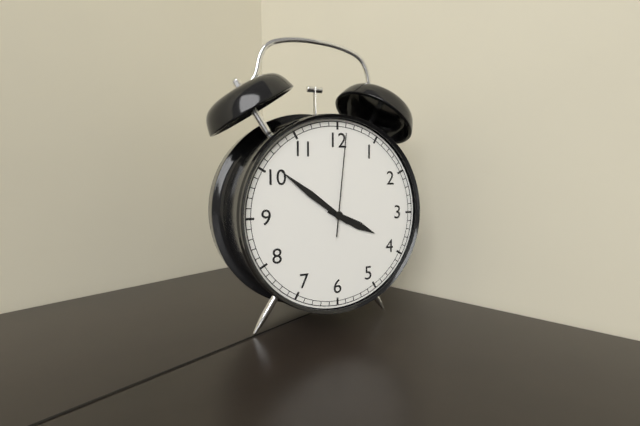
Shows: 3:51:01
